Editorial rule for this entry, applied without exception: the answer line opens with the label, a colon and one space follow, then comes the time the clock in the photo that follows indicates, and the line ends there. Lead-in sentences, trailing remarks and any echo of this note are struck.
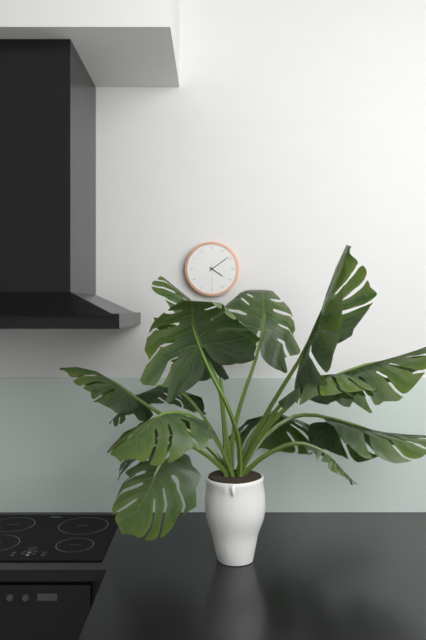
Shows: 4:09
